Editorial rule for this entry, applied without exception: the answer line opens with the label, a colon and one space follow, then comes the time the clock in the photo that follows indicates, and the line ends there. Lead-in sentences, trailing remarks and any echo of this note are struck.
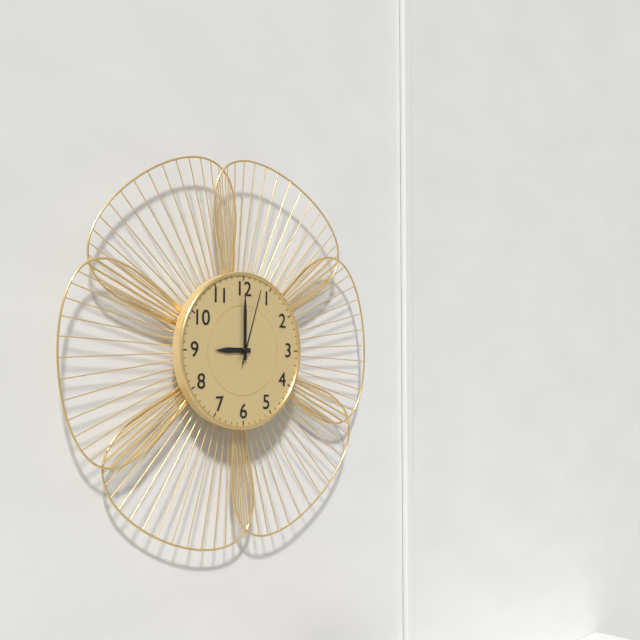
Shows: 9:00:03
